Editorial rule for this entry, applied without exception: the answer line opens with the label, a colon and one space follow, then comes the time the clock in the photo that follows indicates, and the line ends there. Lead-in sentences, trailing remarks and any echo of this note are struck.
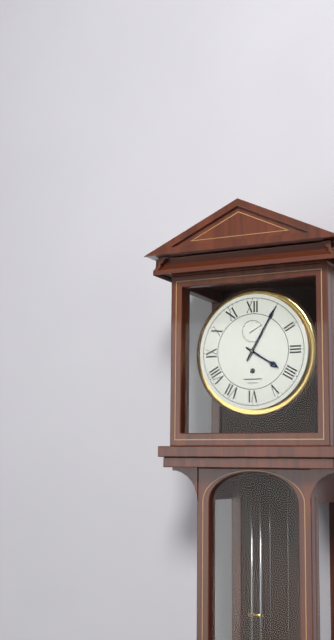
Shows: 4:05
